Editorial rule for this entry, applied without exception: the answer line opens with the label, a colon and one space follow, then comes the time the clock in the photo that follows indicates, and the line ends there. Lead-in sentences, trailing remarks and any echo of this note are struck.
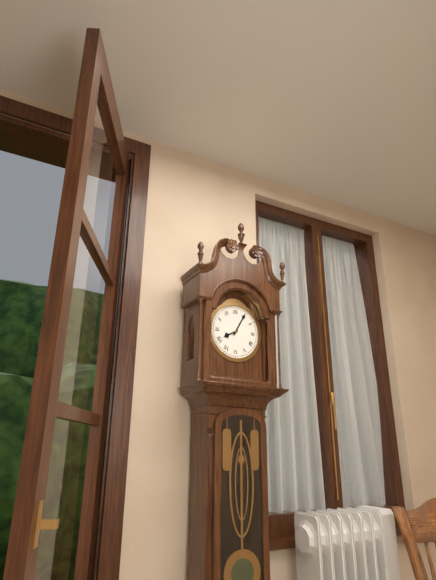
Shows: 8:05
